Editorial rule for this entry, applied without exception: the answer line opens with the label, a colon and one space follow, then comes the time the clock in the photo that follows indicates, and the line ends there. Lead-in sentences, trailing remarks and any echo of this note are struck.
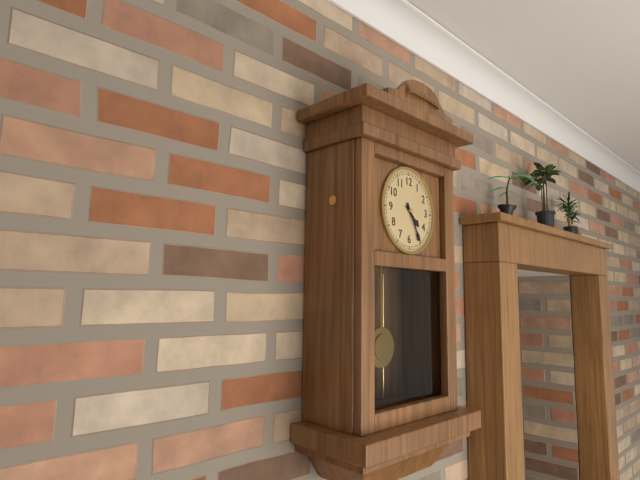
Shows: 4:25
